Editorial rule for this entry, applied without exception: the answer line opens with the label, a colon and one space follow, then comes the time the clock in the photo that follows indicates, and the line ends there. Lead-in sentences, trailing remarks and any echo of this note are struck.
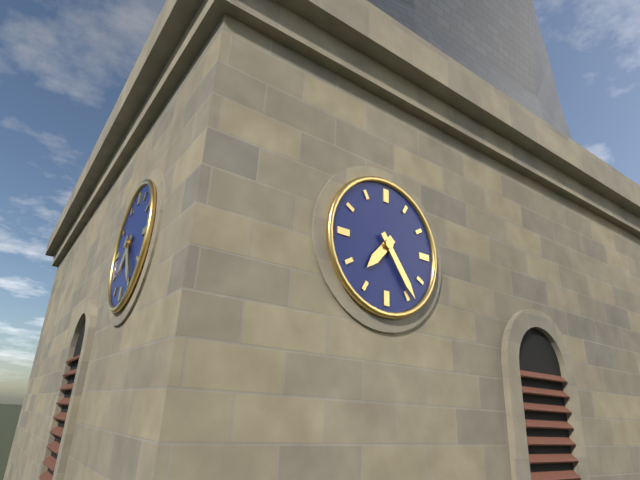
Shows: 7:24
